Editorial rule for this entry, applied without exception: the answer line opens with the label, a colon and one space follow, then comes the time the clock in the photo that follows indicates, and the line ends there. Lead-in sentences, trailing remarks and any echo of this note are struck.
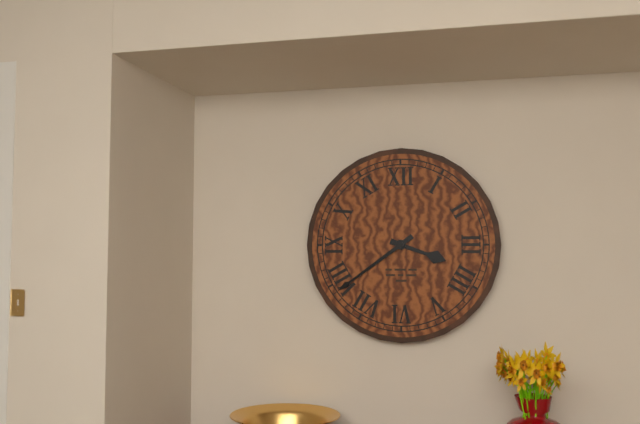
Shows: 3:39
